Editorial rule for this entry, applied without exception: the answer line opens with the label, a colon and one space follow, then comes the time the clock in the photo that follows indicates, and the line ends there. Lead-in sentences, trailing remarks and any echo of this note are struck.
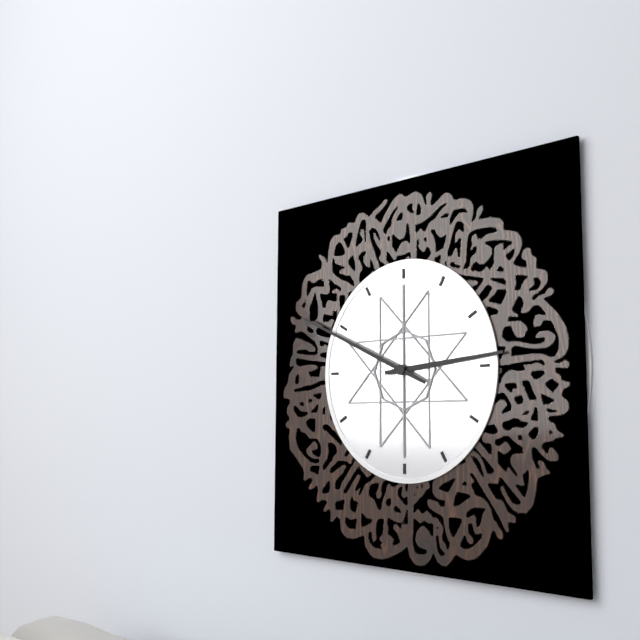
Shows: 2:49
